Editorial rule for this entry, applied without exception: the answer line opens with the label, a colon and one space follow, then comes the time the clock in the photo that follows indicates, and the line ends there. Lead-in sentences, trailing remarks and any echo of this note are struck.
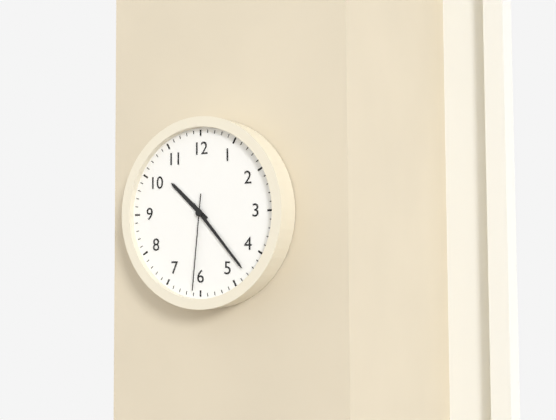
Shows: 10:23:31
